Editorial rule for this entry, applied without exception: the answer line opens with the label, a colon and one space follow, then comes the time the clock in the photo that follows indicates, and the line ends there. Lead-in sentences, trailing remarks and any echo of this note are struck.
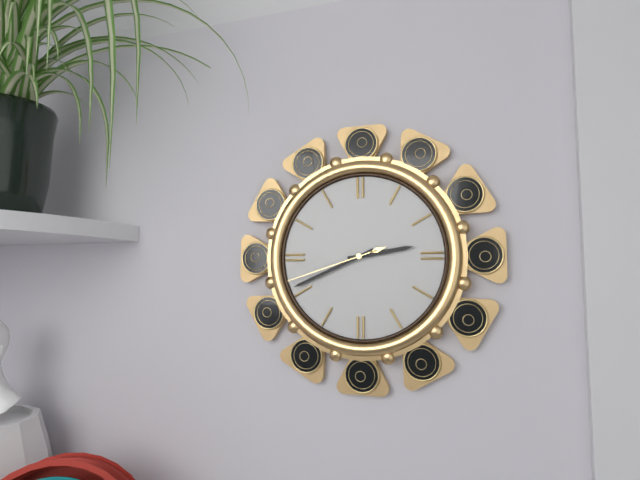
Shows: 2:41:42
